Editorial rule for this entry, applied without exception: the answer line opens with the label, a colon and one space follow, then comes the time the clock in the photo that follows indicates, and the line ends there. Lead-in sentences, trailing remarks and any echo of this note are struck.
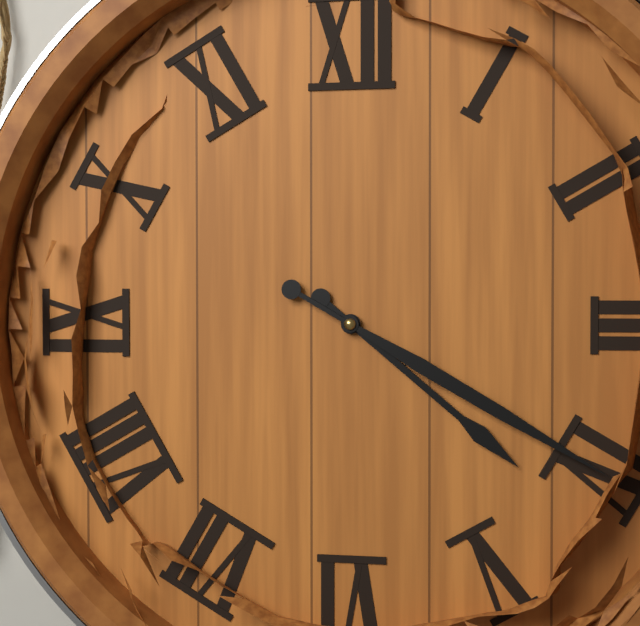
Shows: 4:20
